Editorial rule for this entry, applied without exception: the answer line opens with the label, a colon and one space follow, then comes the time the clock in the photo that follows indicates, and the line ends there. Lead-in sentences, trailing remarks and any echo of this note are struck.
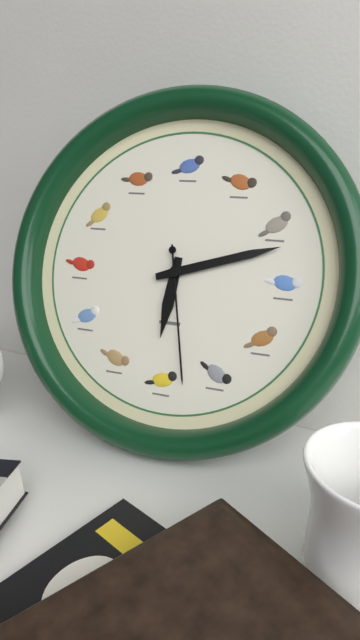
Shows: 6:12:28
